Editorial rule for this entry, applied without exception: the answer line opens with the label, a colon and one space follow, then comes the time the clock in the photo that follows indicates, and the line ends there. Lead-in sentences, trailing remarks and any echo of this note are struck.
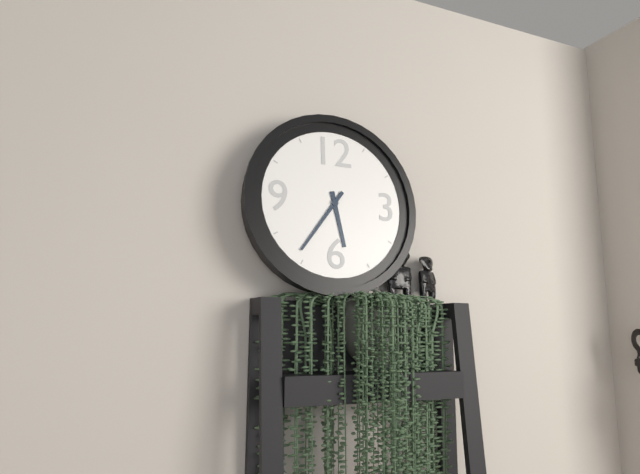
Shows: 5:36
